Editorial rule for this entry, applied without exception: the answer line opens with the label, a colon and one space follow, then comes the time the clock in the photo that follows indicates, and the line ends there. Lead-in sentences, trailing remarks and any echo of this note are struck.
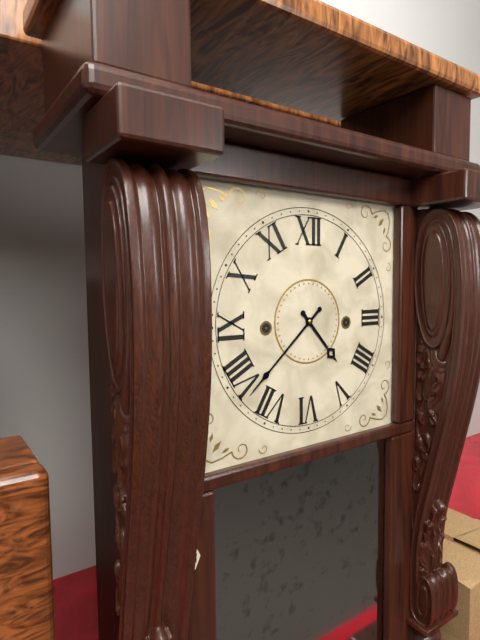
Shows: 4:38
